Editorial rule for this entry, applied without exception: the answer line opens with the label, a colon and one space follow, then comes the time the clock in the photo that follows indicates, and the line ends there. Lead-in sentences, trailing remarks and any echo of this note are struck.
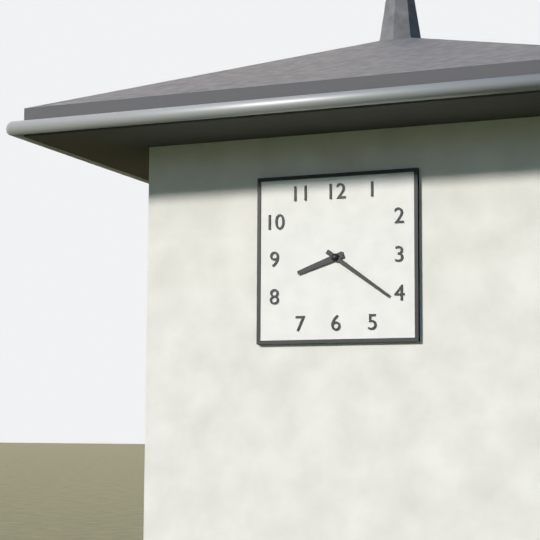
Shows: 8:21
